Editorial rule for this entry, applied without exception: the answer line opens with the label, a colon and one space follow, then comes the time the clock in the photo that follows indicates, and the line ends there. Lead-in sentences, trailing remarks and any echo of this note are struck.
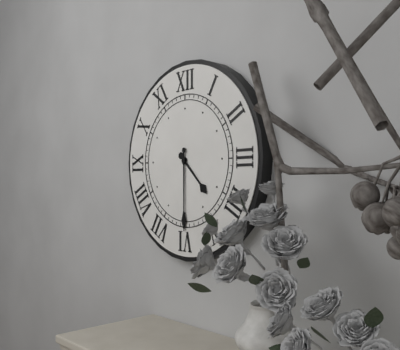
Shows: 4:30
